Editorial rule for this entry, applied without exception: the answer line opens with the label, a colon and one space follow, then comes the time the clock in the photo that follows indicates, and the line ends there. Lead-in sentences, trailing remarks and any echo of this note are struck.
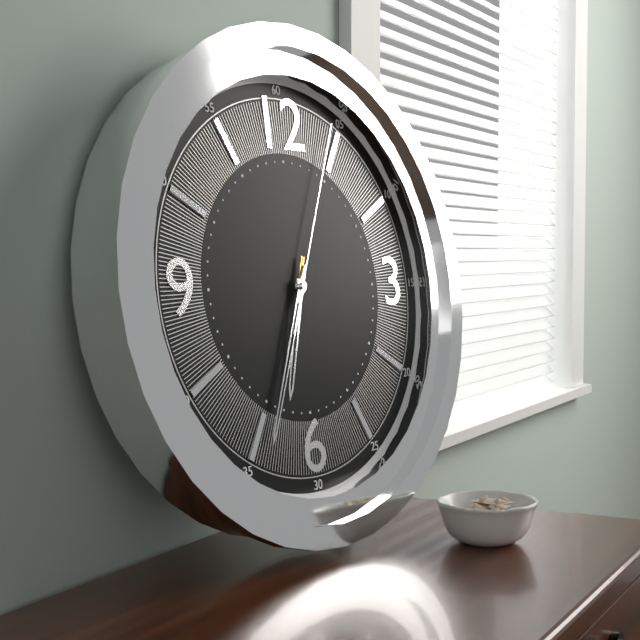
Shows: 6:34:04
